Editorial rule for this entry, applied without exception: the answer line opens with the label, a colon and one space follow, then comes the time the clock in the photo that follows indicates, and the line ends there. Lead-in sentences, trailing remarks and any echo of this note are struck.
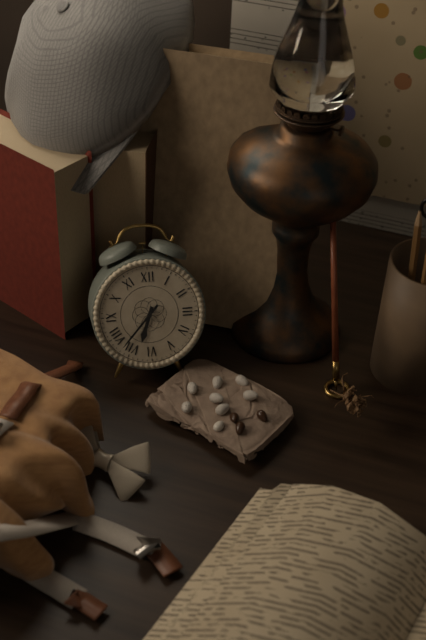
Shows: 6:37
